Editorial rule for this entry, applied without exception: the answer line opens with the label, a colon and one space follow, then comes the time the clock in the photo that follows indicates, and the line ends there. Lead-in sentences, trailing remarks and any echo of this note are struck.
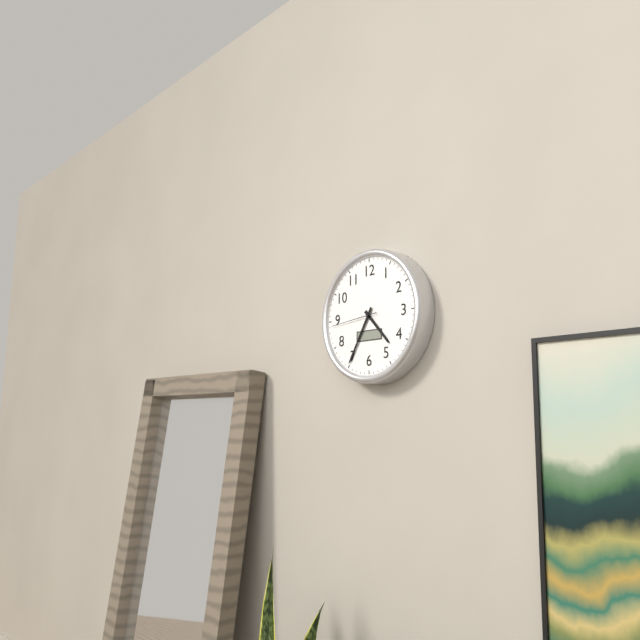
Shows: 4:35
